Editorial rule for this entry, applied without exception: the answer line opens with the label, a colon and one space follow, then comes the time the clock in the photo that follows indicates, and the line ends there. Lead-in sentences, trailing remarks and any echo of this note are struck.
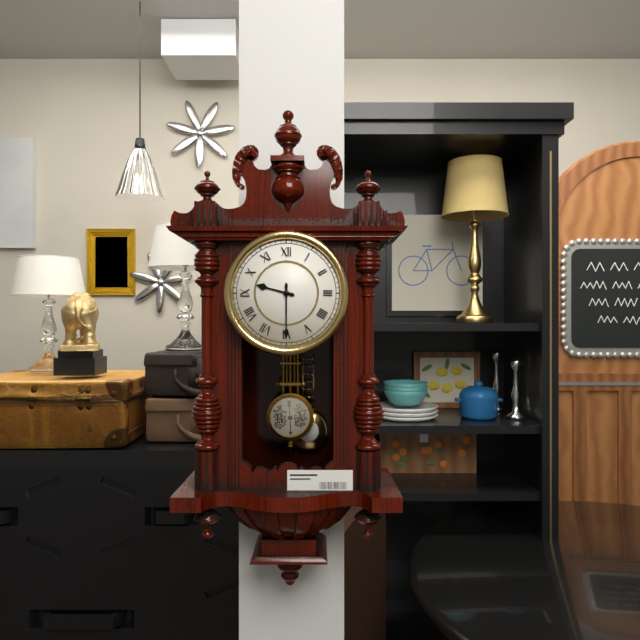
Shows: 9:30
